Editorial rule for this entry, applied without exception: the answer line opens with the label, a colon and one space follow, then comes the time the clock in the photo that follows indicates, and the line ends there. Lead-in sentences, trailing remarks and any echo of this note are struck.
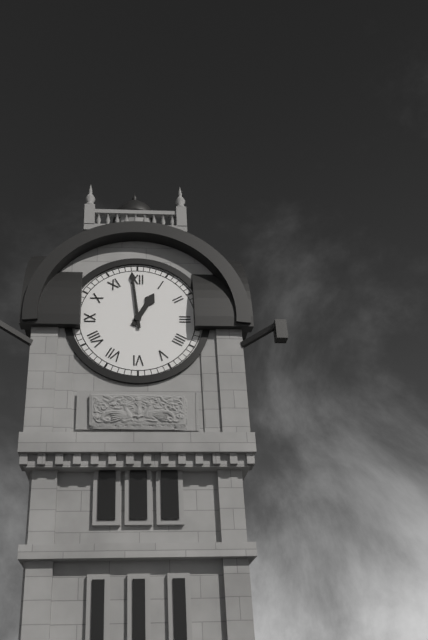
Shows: 12:59
